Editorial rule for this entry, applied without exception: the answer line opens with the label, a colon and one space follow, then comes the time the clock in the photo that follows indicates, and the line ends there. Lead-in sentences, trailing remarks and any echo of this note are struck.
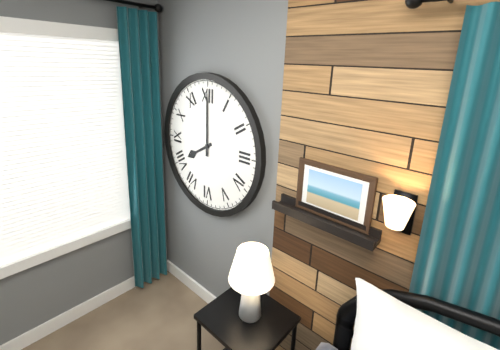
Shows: 8:00
